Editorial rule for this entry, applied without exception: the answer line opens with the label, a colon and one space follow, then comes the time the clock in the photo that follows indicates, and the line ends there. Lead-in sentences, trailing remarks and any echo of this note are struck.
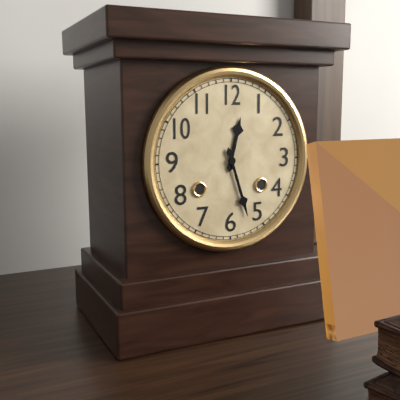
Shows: 12:27
